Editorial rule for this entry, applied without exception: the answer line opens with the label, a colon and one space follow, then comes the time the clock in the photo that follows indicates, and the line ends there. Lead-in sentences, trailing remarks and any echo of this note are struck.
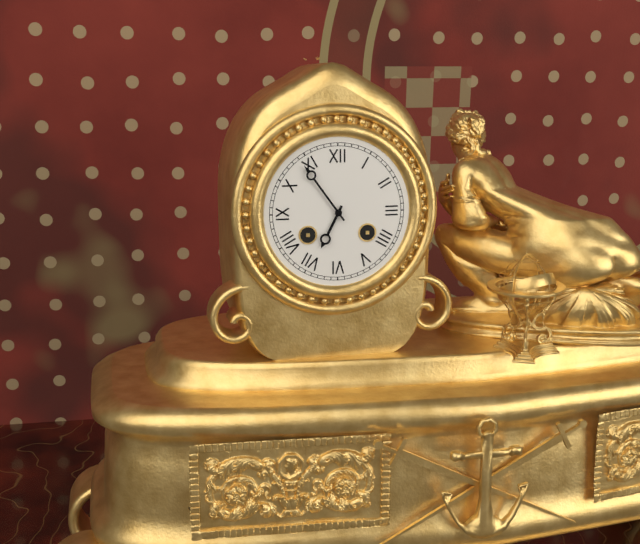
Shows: 6:54
